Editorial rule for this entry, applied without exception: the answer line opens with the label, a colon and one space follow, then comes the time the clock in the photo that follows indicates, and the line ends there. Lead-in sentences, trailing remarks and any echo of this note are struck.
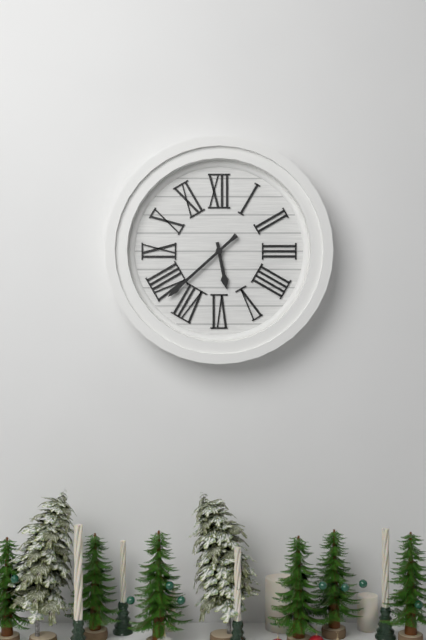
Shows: 5:38
